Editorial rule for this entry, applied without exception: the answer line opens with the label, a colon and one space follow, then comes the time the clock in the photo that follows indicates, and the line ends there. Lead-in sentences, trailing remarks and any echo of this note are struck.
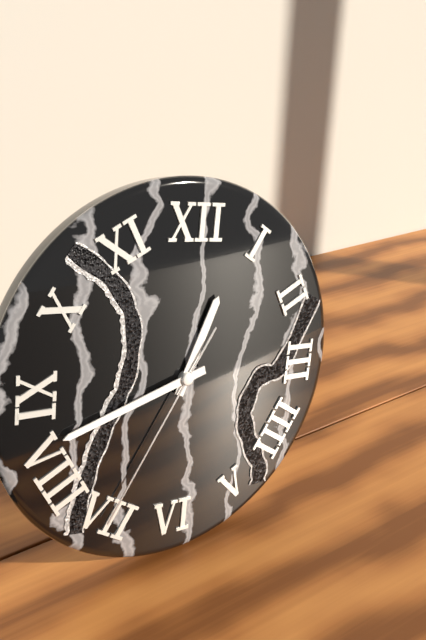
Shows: 12:42:35
